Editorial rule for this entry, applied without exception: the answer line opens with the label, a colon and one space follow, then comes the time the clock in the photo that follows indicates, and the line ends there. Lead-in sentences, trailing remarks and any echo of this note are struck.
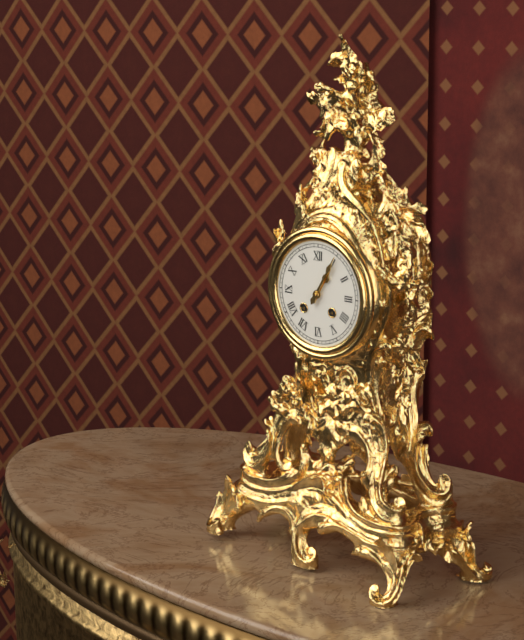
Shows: 1:05
